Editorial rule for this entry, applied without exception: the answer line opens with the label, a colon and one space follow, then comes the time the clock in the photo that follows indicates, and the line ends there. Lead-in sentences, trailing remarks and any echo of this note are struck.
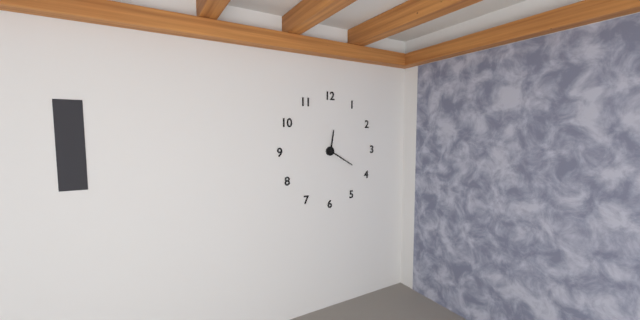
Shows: 12:20
